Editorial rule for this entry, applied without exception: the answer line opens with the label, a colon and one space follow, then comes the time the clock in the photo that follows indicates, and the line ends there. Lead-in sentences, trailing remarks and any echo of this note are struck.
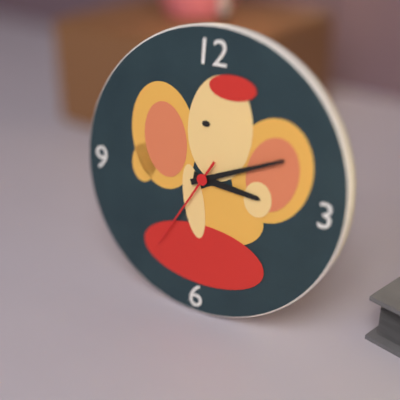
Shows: 3:11:35
